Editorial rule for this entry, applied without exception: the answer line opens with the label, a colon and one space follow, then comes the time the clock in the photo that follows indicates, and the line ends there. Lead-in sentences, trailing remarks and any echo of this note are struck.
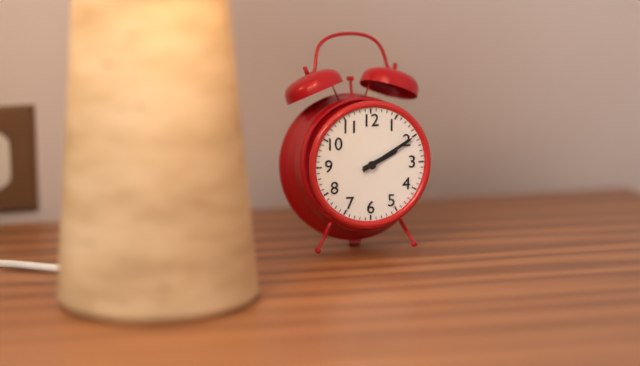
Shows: 2:10
